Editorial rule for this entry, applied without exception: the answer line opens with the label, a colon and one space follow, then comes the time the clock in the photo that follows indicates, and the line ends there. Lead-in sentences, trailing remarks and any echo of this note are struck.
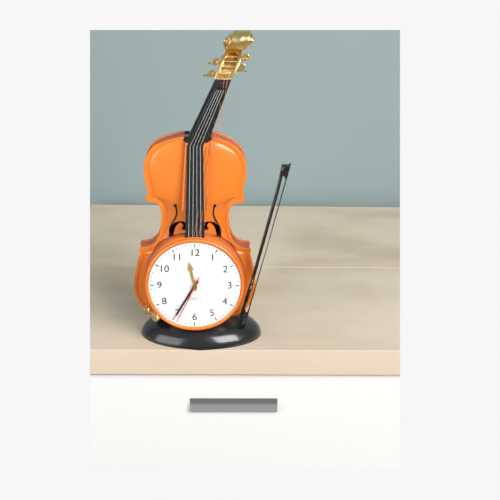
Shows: 11:35
